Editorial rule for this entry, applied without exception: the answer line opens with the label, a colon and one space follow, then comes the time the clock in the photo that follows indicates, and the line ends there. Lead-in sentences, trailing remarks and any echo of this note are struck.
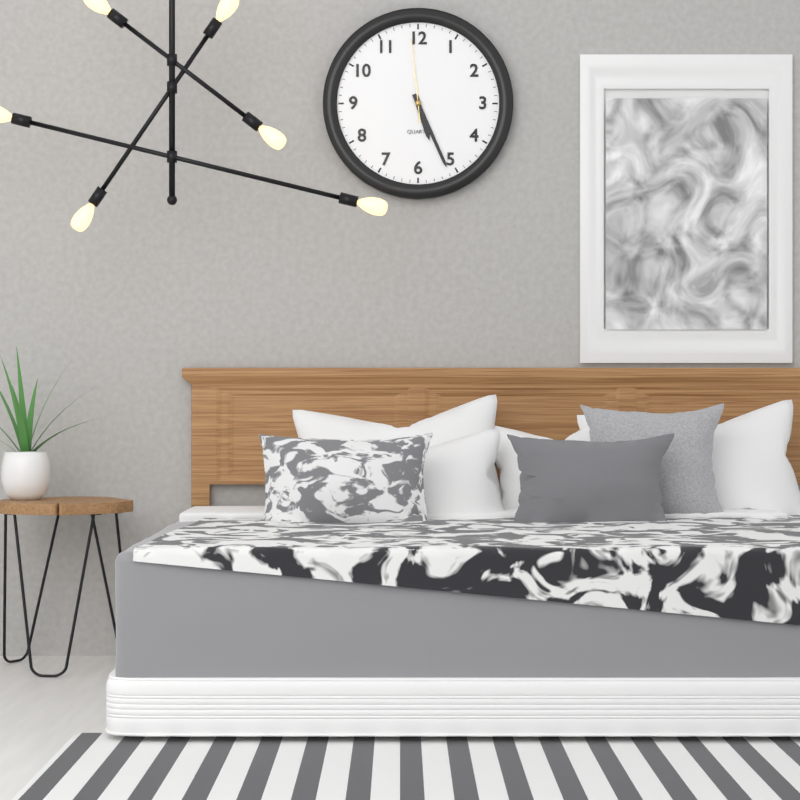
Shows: 5:26:59
